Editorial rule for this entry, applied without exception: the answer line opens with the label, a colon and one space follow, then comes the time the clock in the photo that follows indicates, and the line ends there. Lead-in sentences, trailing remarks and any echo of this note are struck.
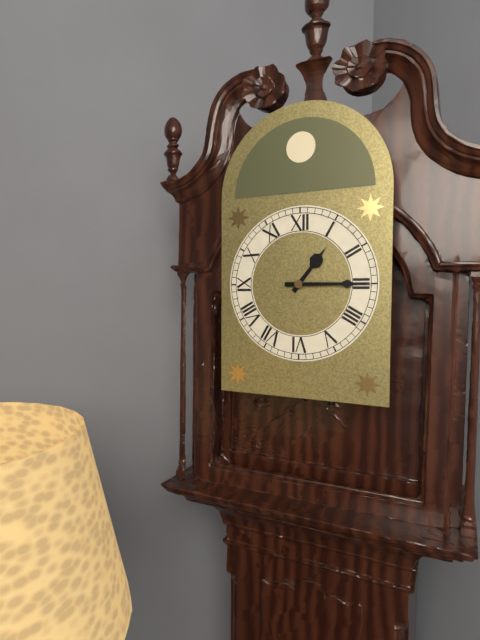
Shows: 1:15
